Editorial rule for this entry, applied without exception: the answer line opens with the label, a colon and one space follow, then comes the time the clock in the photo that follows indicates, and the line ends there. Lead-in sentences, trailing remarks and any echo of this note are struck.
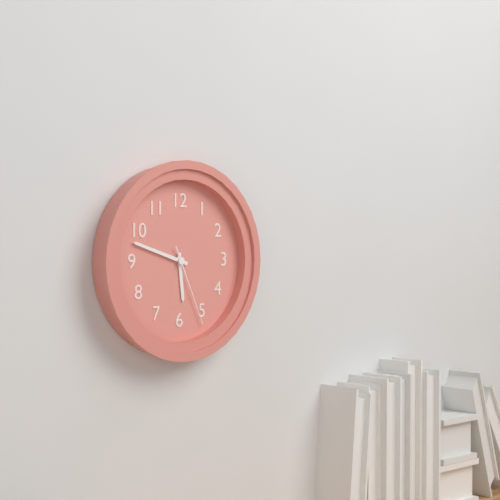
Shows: 5:48:26
